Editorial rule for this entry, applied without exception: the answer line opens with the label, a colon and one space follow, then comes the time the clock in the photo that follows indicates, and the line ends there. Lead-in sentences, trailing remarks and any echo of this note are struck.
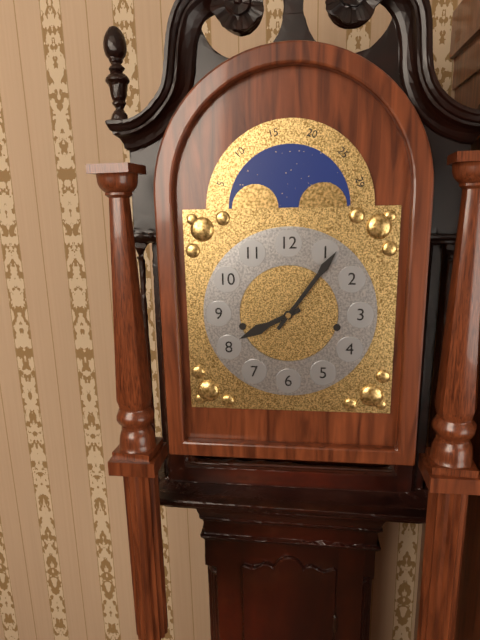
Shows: 8:06
